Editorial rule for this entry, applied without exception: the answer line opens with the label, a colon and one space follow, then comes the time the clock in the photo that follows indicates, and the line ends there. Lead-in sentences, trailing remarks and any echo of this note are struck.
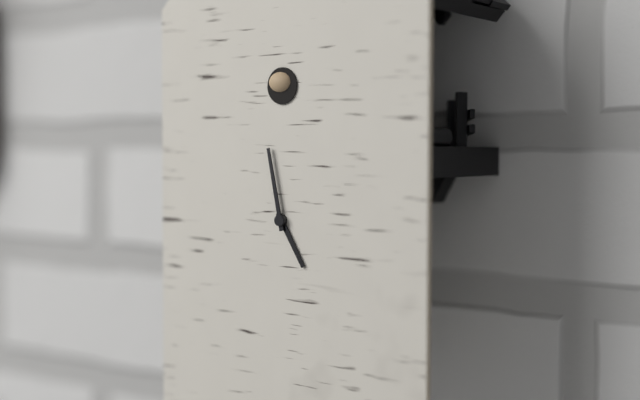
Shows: 4:58
